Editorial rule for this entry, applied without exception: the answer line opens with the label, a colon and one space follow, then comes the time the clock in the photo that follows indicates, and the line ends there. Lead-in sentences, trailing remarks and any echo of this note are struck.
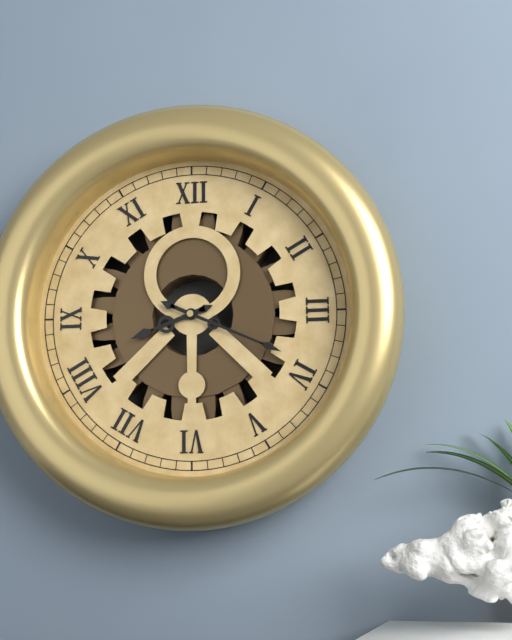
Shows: 8:19
